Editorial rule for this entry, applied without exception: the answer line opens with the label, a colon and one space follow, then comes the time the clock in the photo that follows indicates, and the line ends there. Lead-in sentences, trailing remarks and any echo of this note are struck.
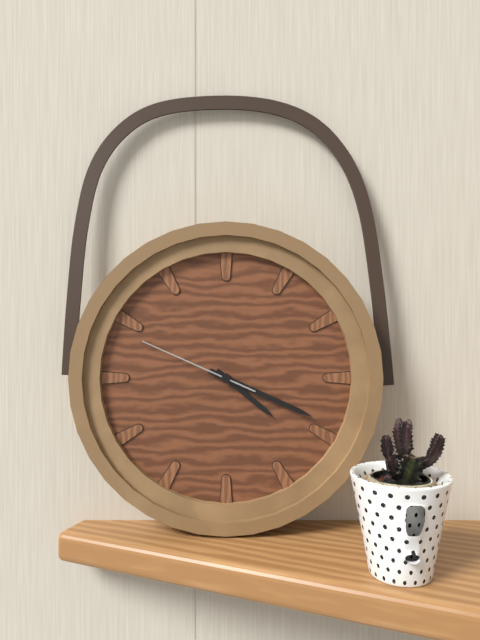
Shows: 4:19:49
